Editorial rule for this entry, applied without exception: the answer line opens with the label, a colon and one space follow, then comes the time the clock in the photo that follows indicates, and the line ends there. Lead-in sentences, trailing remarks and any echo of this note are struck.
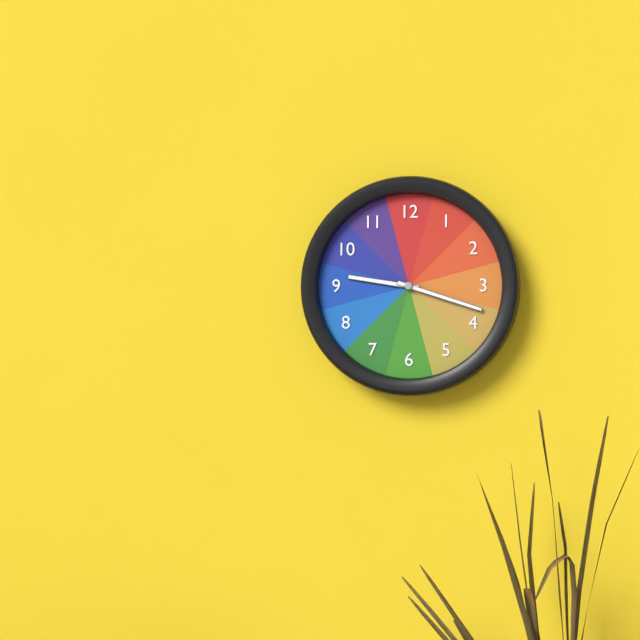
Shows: 9:18
